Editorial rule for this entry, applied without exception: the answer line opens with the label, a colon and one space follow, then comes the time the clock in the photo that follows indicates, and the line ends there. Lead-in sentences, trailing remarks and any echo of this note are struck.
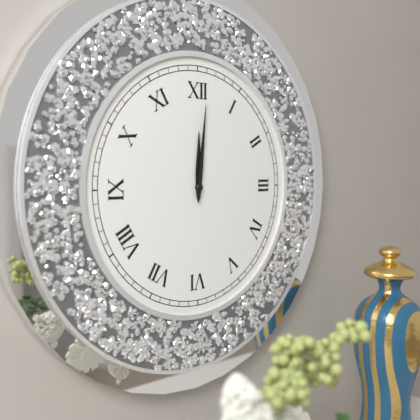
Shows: 12:01
